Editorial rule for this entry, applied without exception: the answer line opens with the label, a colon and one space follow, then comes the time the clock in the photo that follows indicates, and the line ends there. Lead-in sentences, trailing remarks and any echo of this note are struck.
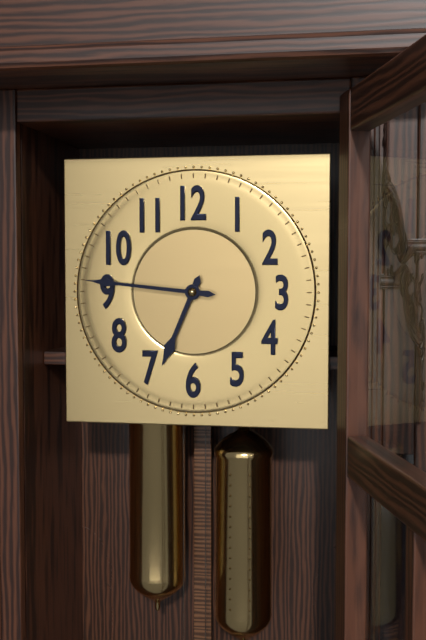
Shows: 6:46
